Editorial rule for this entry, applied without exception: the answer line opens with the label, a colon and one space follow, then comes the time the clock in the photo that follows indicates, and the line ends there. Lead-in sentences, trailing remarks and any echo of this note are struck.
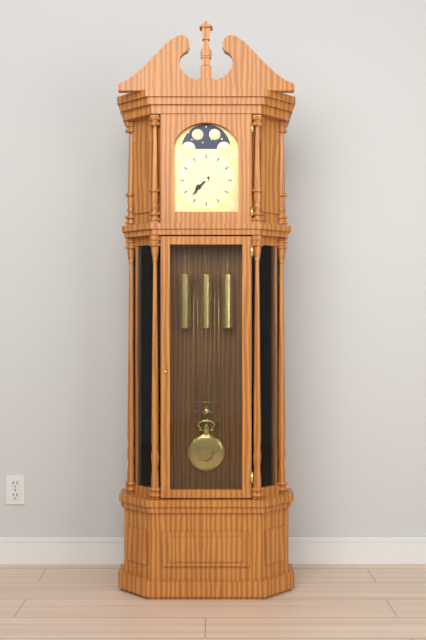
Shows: 7:37
